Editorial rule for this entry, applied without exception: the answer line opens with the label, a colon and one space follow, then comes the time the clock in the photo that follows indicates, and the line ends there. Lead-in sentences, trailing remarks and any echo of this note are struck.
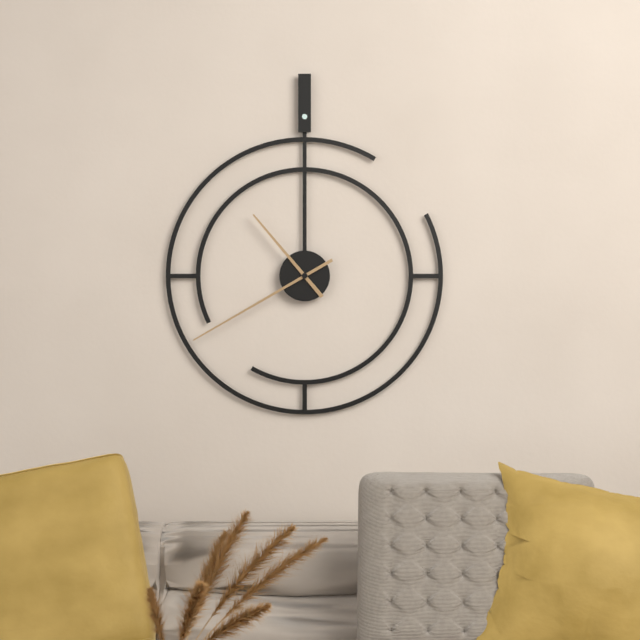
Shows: 10:40
